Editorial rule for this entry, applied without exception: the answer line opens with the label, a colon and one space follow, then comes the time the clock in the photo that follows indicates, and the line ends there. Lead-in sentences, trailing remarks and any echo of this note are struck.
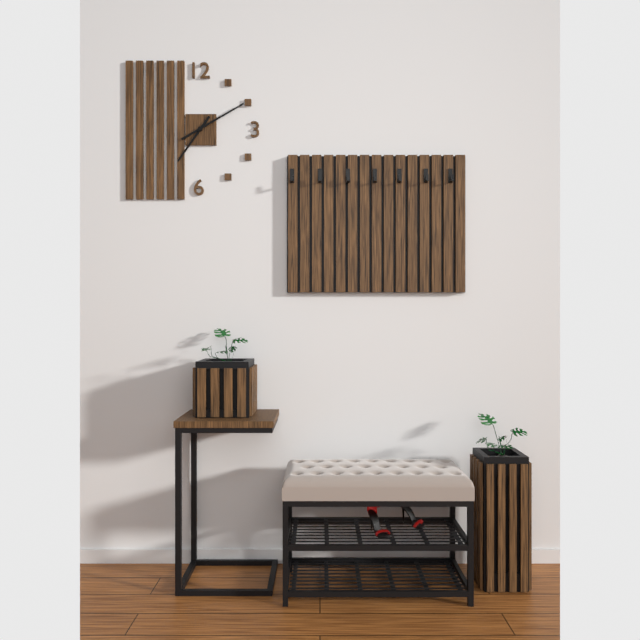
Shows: 7:10
